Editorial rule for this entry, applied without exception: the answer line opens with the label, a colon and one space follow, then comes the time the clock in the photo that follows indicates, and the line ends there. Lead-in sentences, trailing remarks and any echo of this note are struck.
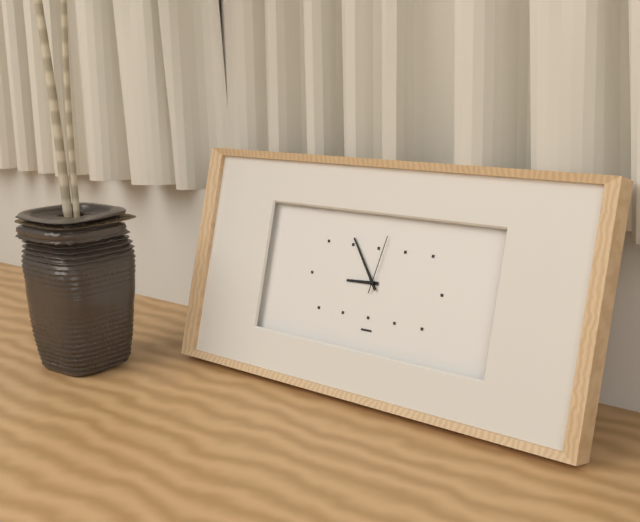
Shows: 8:54:02
